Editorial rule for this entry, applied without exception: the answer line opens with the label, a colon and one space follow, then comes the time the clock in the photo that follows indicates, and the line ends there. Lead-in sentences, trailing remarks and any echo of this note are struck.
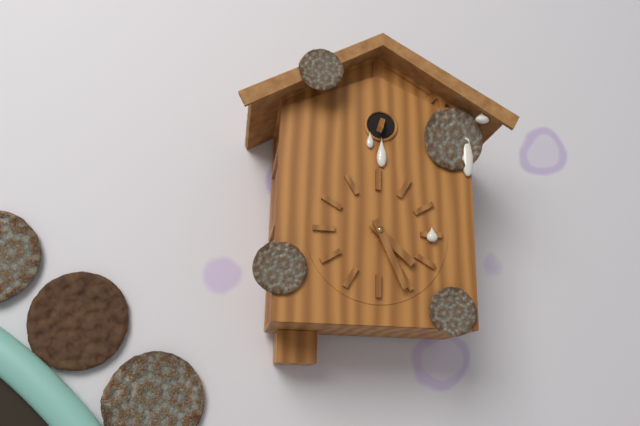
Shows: 4:26
